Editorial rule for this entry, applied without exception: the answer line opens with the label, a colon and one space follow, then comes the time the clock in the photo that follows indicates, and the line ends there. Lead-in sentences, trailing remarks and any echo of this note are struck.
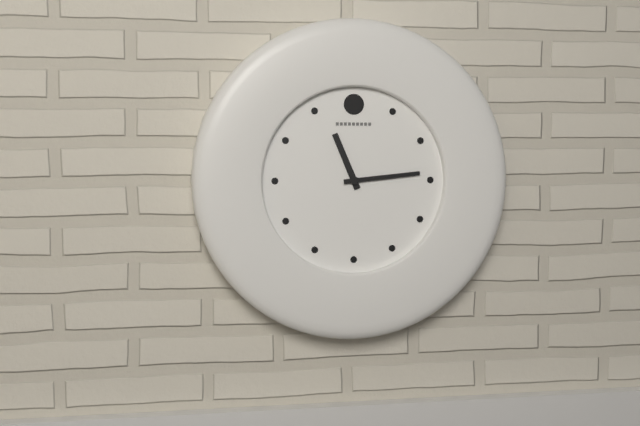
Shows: 11:14
